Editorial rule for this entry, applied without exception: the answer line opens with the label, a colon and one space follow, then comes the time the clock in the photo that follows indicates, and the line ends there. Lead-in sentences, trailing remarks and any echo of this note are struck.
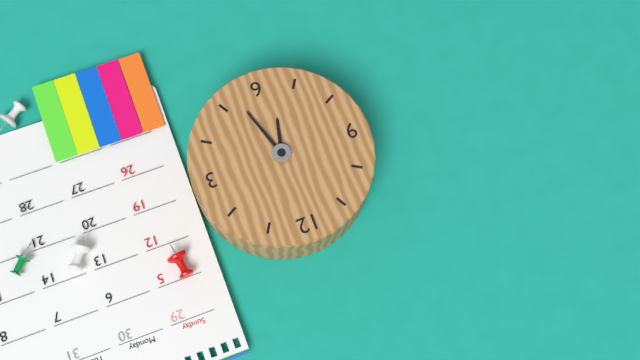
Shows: 6:27
